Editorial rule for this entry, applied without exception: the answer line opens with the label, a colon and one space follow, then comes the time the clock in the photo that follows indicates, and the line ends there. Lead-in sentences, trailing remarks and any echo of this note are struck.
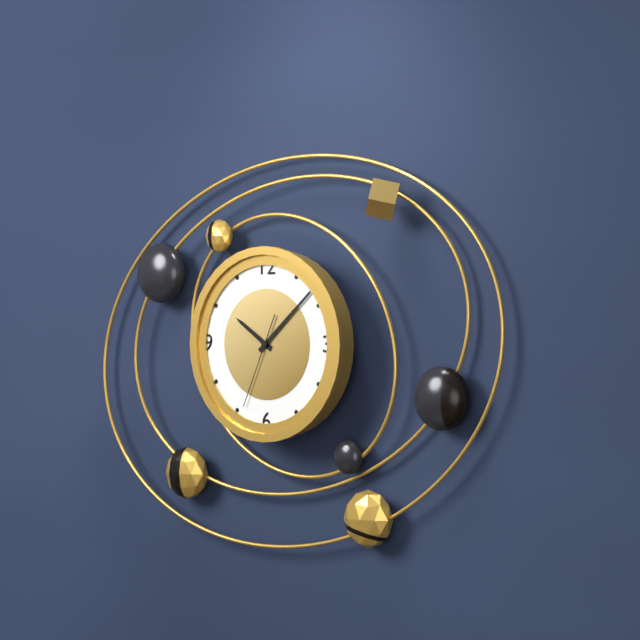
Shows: 10:08:34
